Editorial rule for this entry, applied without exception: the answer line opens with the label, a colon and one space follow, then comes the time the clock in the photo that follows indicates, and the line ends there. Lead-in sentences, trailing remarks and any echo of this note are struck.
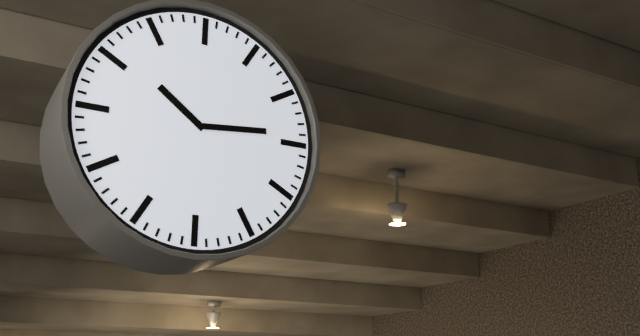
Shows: 10:14
